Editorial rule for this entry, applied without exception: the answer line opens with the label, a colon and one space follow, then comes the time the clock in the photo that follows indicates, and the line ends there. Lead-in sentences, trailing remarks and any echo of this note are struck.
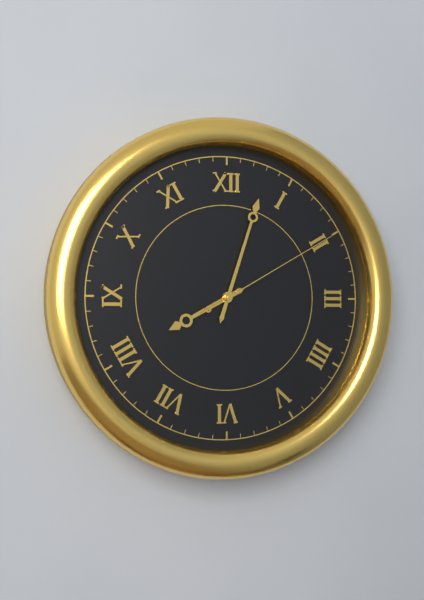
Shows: 8:03:10
